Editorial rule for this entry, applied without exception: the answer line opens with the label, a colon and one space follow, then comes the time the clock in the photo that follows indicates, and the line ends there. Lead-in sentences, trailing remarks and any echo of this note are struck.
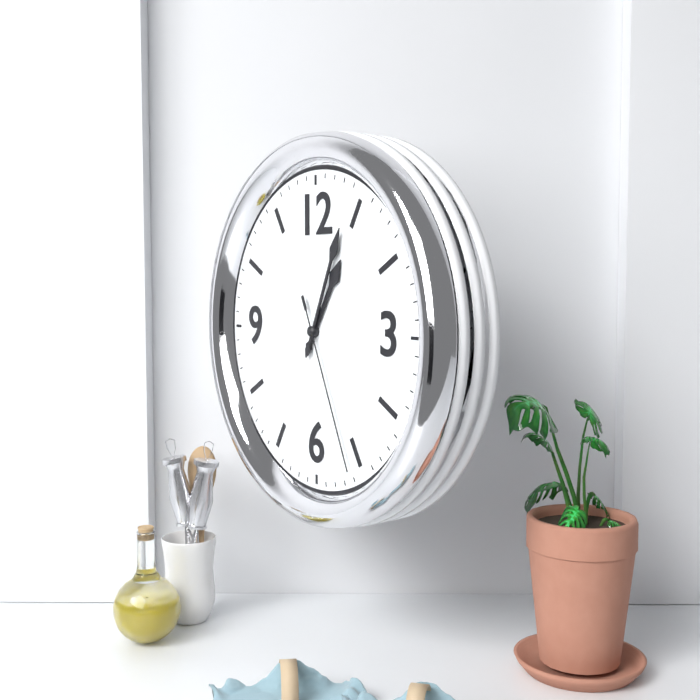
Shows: 1:04:26
